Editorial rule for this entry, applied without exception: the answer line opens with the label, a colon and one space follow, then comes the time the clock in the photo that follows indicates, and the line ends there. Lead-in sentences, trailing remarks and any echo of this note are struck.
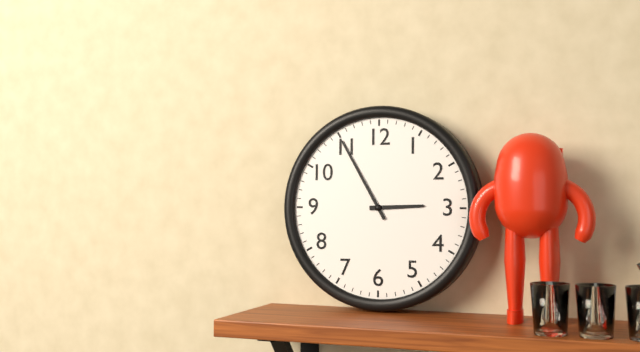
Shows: 2:55
